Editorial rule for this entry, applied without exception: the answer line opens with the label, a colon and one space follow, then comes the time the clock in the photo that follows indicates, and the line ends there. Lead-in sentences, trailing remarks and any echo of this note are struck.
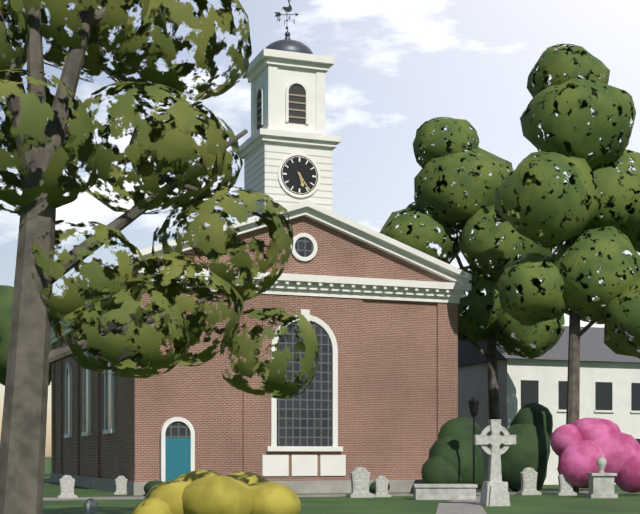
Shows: 5:24
